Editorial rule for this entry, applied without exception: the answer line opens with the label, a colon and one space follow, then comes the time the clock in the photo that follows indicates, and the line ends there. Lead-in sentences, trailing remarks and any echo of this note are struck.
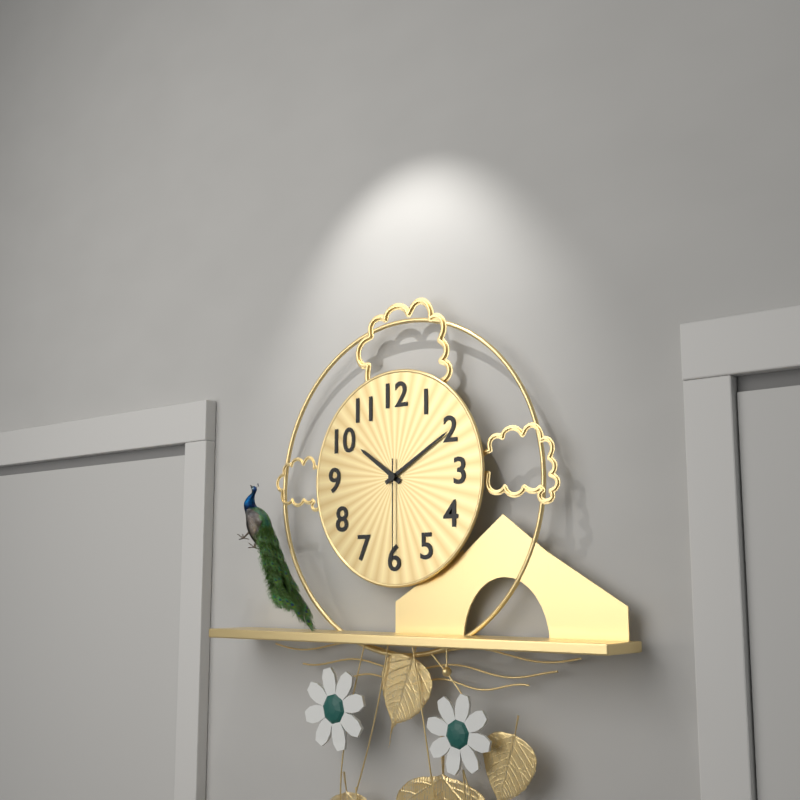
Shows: 10:10:30
